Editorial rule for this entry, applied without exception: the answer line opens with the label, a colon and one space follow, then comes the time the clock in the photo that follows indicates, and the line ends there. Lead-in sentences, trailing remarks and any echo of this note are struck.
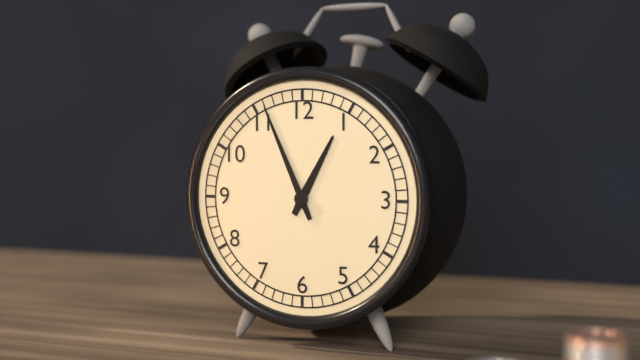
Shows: 12:56
